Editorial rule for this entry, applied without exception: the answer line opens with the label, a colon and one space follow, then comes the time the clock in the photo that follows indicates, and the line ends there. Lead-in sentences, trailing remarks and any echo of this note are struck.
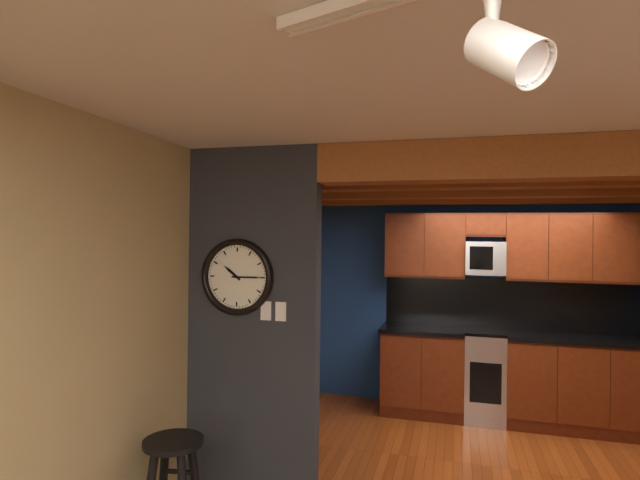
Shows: 10:15
